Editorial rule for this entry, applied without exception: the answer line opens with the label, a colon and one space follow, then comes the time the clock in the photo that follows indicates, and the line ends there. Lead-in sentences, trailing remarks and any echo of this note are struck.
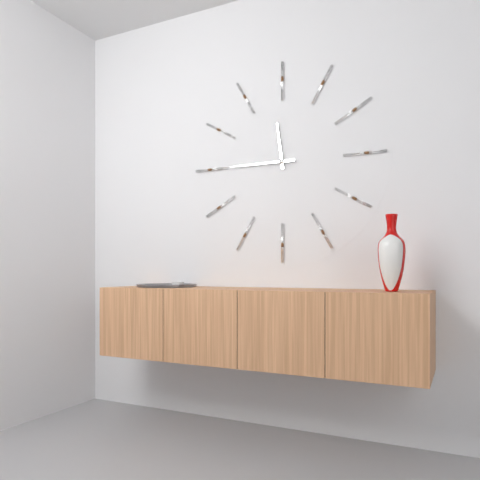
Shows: 11:45
